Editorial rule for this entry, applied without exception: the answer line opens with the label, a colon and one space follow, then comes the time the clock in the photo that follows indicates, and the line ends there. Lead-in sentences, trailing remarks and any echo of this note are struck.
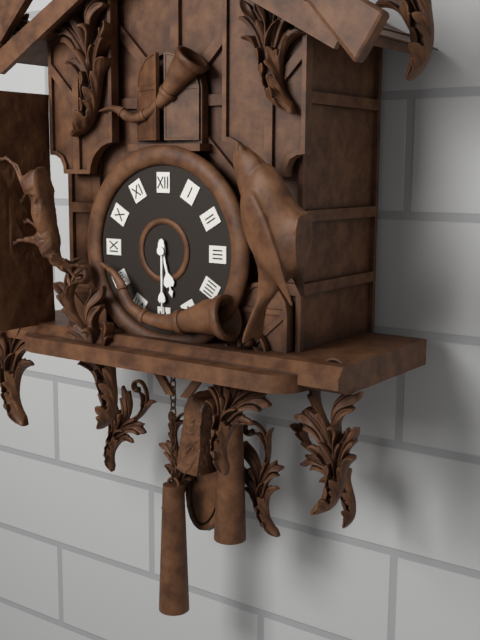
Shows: 5:30
